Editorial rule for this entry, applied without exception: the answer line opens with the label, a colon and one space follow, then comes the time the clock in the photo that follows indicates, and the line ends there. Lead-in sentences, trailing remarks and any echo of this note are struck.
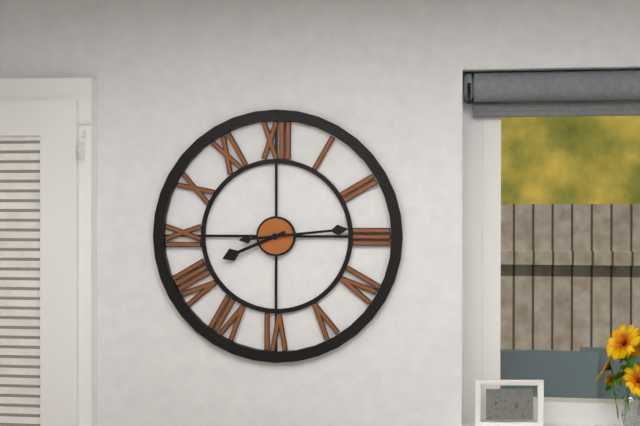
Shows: 8:14
